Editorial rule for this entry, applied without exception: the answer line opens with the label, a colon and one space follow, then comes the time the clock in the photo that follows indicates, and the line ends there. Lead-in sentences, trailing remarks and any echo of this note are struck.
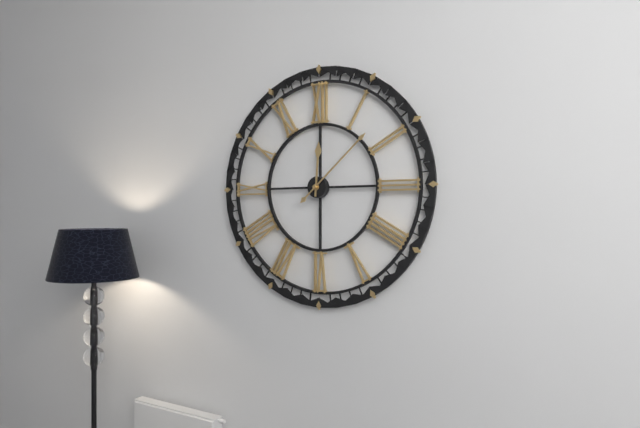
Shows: 12:08
